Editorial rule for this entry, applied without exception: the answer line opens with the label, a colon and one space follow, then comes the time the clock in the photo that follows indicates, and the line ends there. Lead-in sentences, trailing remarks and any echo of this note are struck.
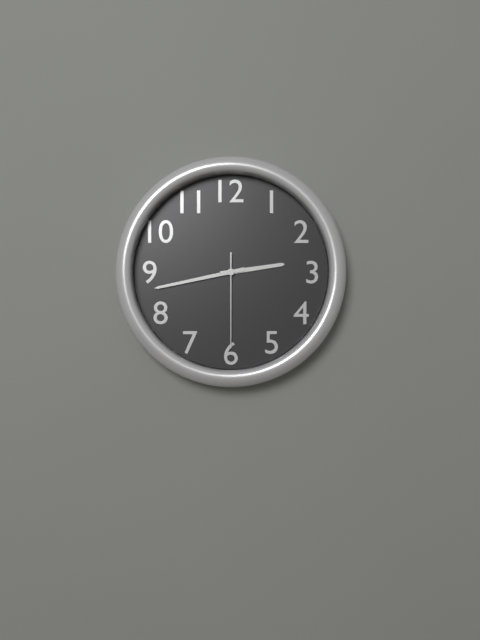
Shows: 2:43:30
